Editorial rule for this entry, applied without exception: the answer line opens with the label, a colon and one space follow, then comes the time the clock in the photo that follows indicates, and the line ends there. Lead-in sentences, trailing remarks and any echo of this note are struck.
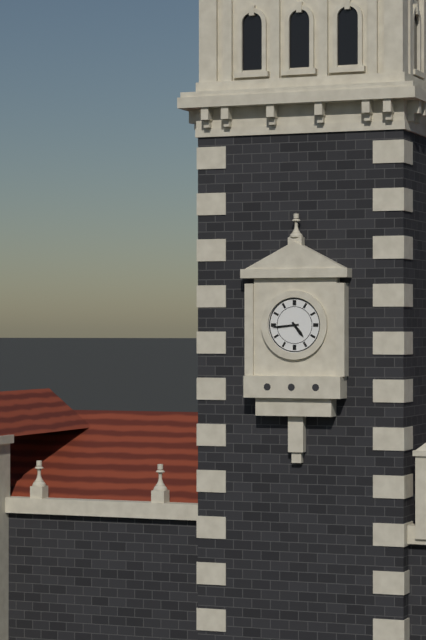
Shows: 4:44
